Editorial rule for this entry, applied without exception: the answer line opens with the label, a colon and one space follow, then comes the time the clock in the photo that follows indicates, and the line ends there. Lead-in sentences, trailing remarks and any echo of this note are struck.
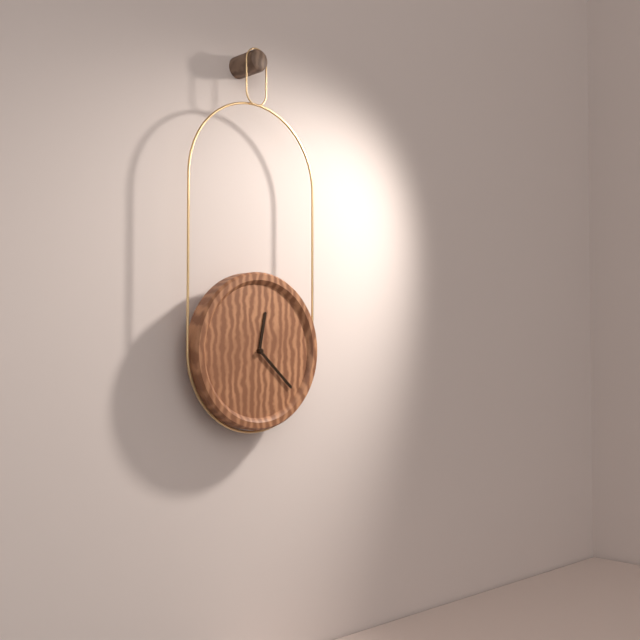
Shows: 12:22
